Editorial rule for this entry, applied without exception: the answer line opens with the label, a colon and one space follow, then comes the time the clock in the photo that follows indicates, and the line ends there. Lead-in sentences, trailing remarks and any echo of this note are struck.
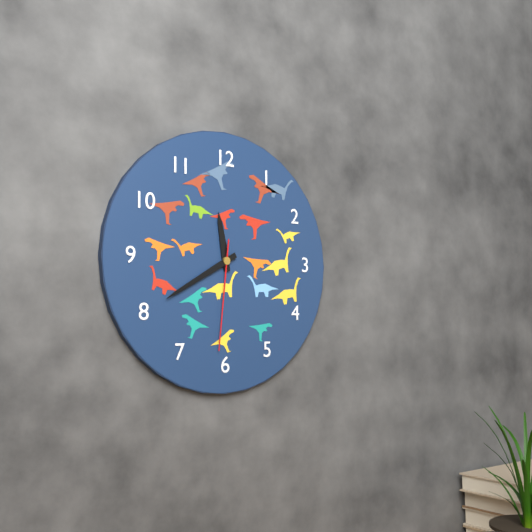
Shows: 11:40:31
